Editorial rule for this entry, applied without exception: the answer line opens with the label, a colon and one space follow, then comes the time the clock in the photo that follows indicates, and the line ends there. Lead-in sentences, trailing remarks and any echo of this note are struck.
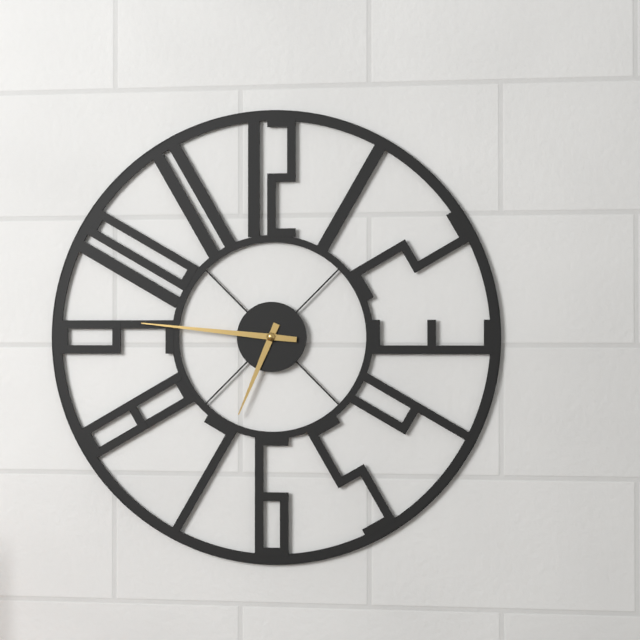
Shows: 6:46
